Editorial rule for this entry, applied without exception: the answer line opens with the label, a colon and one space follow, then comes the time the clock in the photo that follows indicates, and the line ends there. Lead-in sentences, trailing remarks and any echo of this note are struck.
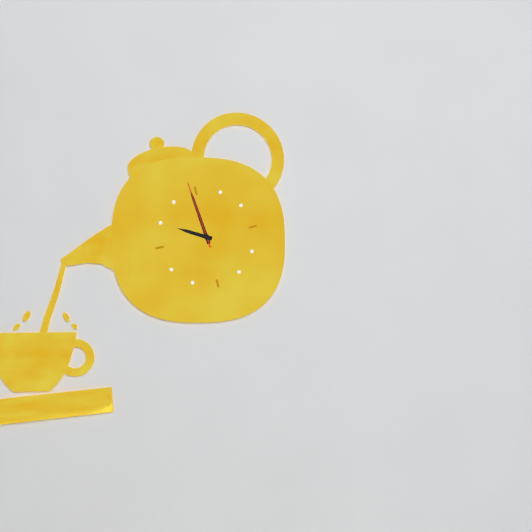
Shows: 9:59:59
